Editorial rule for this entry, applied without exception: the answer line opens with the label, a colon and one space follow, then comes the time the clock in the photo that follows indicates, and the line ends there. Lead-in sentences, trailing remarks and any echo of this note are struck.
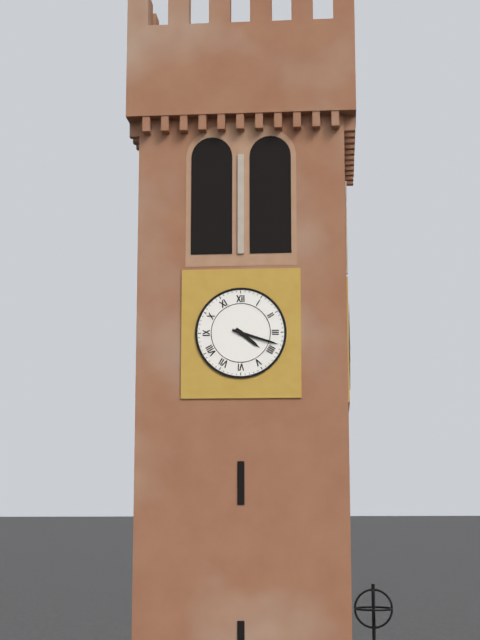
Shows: 4:18
